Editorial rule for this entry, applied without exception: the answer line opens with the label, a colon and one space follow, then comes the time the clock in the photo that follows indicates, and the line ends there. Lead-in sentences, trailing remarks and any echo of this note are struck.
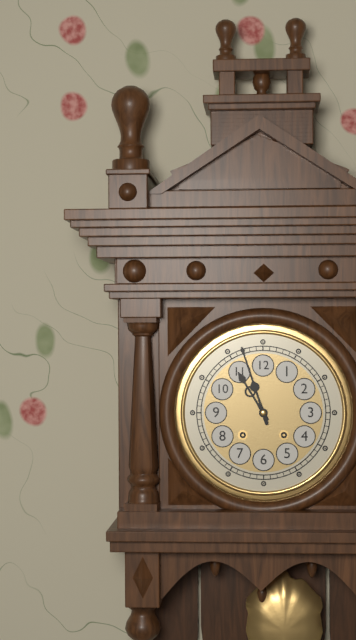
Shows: 10:57
